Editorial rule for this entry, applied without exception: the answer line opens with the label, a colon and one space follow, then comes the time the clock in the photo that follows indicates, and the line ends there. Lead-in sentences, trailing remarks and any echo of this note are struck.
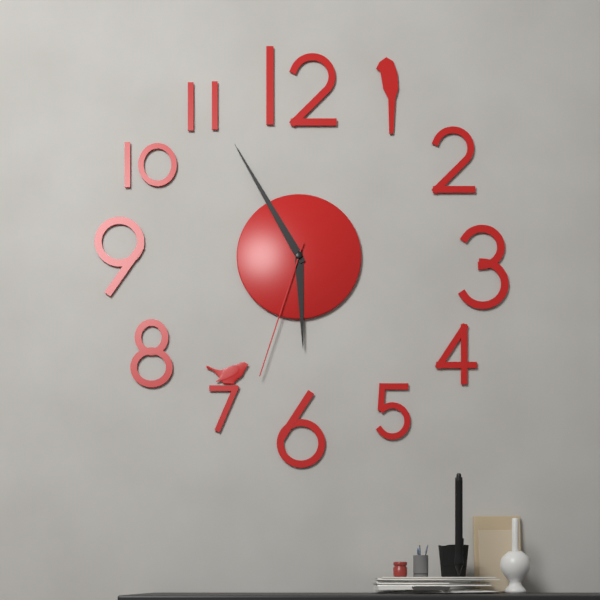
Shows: 5:55:33
